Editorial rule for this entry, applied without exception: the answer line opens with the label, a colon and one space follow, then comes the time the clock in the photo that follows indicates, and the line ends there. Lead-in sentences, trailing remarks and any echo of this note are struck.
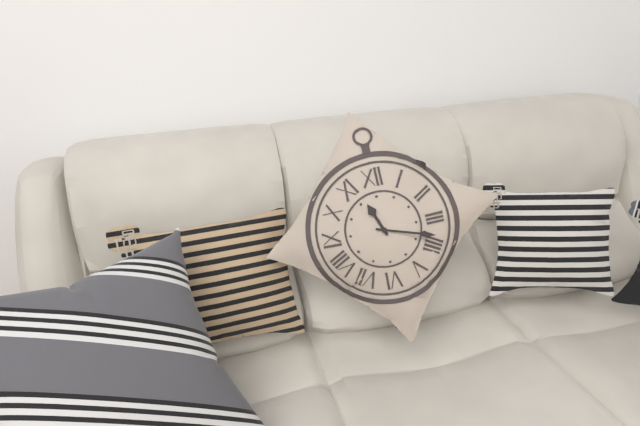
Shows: 11:18
